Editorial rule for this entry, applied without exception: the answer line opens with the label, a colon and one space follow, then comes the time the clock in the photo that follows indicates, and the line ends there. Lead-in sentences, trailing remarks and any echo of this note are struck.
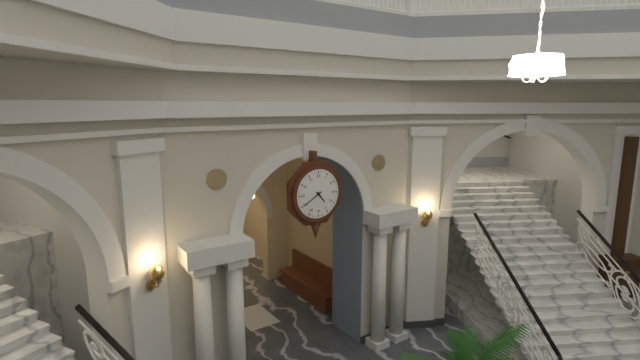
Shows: 4:40
